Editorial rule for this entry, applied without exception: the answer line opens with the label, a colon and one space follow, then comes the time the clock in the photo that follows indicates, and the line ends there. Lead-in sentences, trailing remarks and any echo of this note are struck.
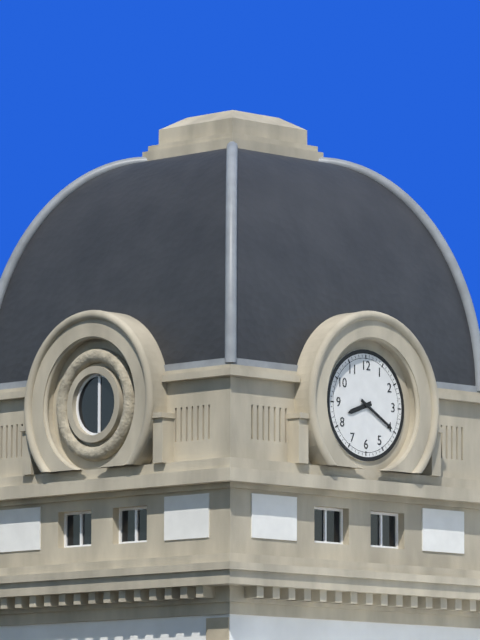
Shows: 8:20
